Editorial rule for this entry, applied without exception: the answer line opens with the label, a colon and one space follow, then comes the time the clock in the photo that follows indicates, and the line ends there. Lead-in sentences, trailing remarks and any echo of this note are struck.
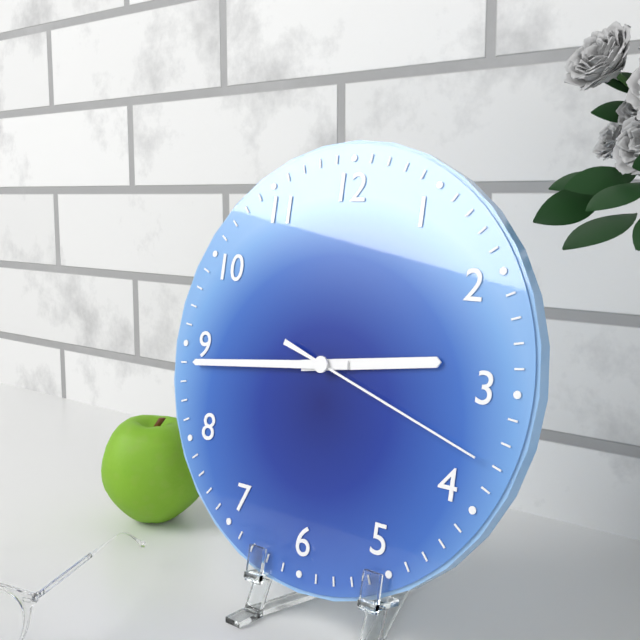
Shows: 2:44:18
